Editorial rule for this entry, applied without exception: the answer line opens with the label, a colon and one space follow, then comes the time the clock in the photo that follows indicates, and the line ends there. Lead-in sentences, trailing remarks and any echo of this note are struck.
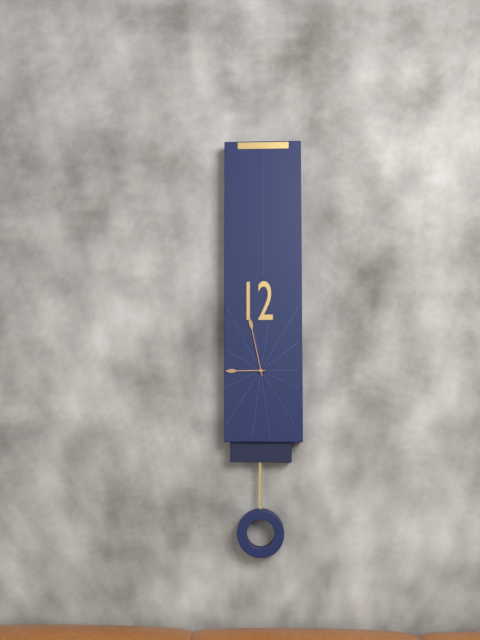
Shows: 8:58
